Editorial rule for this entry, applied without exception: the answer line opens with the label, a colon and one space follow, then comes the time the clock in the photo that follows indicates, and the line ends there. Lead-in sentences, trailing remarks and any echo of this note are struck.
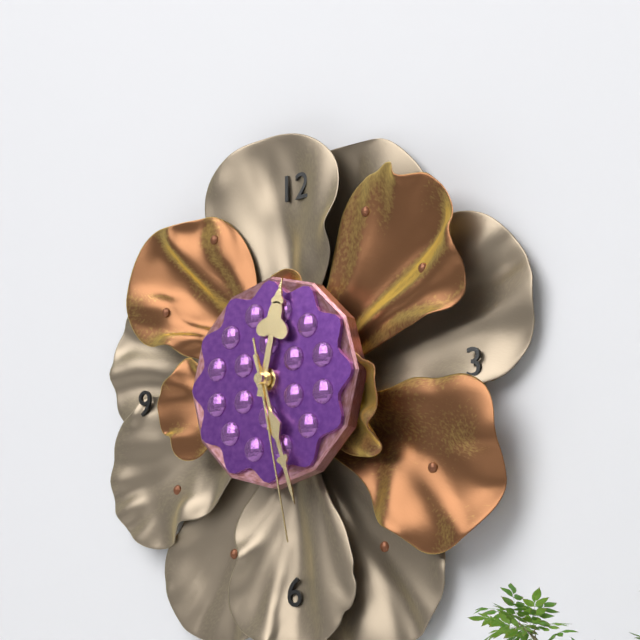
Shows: 12:27:28
